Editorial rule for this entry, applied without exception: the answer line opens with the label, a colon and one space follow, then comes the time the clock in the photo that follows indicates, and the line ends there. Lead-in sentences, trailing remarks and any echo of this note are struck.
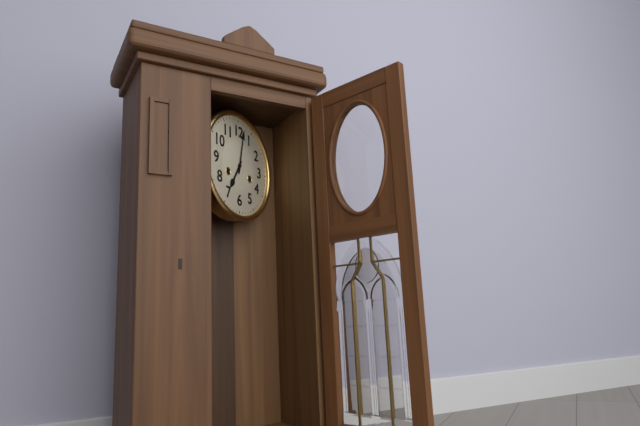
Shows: 7:02
